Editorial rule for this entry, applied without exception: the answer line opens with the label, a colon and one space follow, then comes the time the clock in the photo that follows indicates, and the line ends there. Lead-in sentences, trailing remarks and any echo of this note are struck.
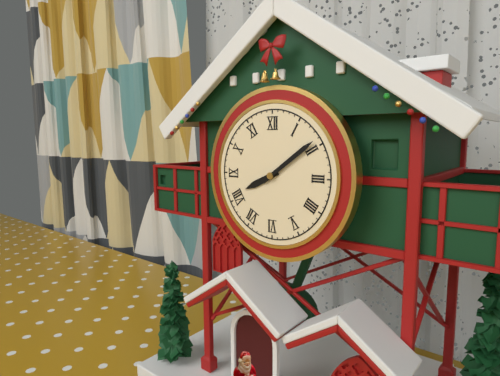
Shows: 8:09
